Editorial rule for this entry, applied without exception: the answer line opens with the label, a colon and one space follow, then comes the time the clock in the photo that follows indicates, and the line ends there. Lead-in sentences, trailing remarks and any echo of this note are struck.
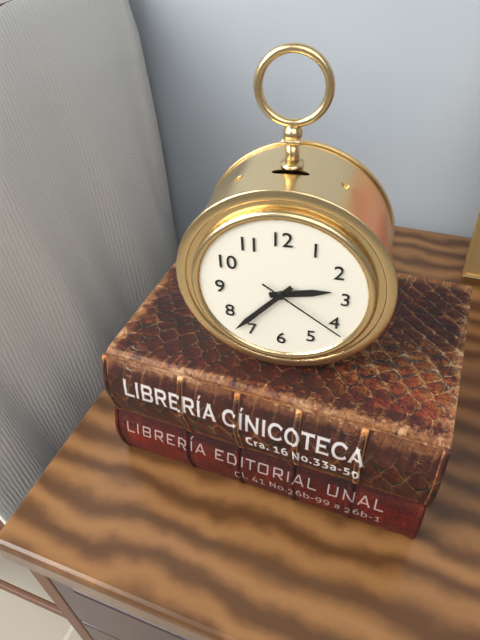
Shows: 2:37:21
